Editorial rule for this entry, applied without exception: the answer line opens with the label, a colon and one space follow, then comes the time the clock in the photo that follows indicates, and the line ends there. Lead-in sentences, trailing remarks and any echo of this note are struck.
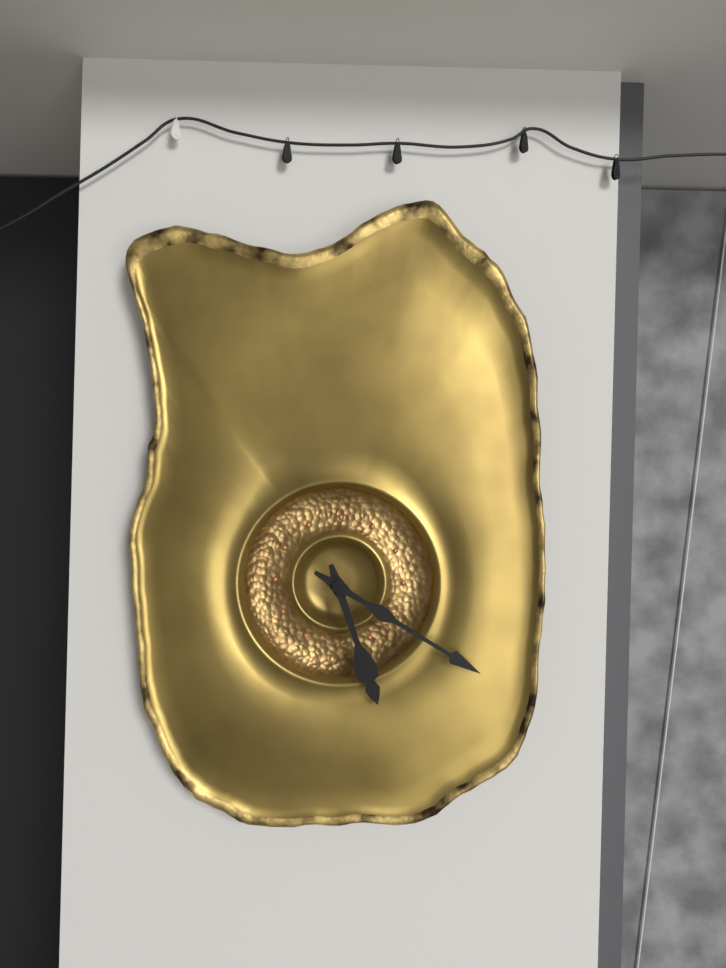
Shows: 5:20
